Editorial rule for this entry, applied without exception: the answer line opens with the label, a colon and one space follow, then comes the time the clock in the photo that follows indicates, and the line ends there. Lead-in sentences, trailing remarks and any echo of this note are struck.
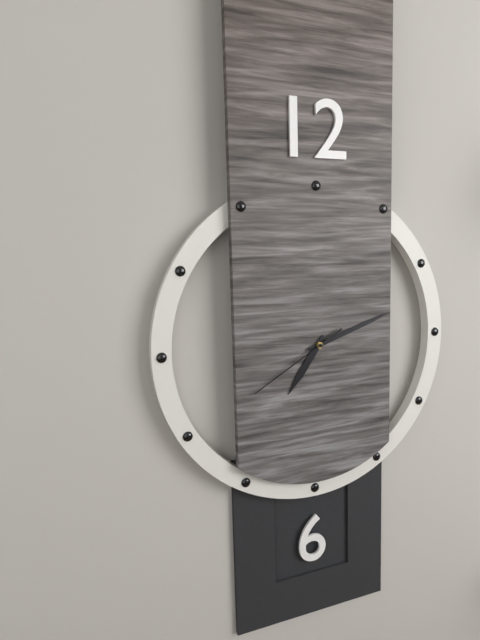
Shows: 7:12:40
